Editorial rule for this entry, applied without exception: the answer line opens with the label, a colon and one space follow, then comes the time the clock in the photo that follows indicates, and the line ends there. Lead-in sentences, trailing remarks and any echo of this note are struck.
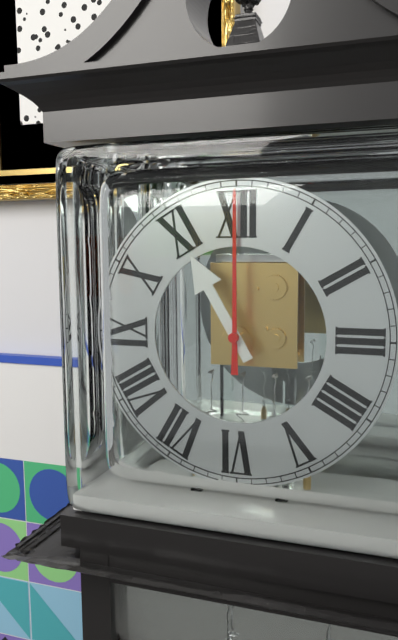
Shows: 11:00
